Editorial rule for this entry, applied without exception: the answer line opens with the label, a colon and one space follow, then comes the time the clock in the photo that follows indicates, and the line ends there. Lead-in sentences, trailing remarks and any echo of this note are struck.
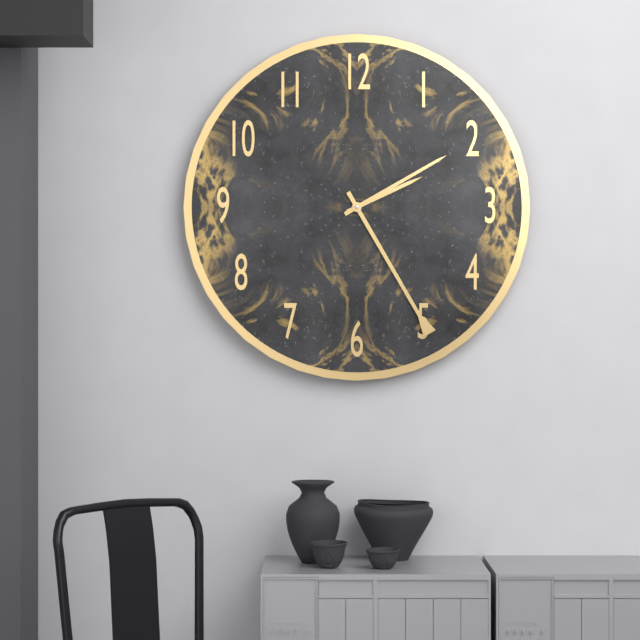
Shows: 2:10:25
